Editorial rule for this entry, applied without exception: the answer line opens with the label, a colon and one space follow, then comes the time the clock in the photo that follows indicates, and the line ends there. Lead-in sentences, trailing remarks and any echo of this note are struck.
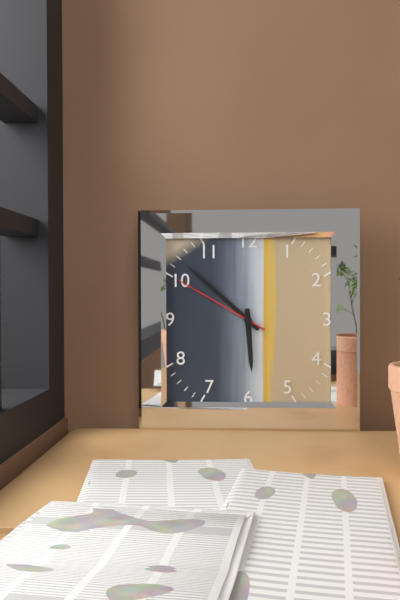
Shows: 5:52:50
